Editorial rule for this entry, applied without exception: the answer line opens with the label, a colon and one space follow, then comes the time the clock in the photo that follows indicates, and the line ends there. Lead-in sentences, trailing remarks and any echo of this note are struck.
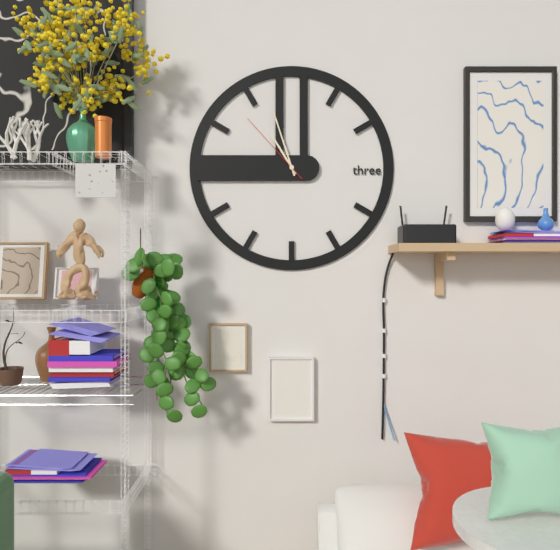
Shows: 10:57:53
